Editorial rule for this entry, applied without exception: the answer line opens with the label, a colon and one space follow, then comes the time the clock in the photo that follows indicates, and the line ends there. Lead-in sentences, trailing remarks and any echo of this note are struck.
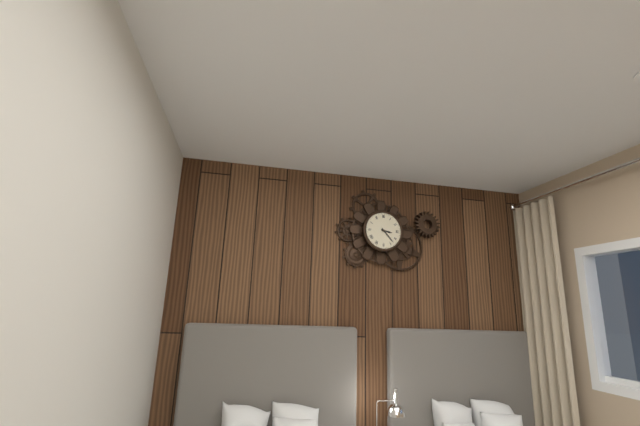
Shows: 3:23
